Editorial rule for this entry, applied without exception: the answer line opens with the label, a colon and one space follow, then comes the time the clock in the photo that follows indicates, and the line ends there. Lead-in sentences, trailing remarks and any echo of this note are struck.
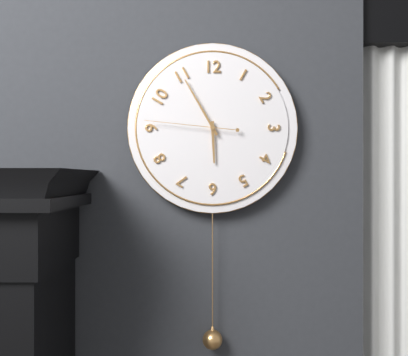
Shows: 5:55:46
